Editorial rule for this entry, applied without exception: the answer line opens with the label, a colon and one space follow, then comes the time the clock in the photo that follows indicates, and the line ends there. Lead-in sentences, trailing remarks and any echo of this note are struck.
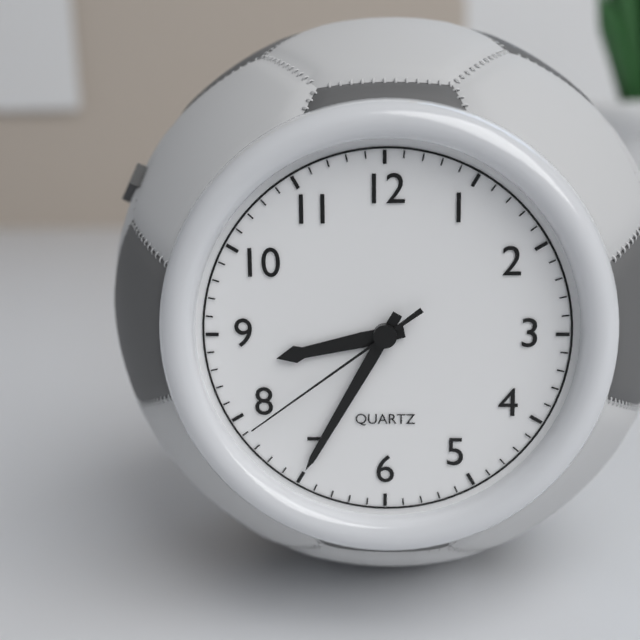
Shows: 8:35:39
